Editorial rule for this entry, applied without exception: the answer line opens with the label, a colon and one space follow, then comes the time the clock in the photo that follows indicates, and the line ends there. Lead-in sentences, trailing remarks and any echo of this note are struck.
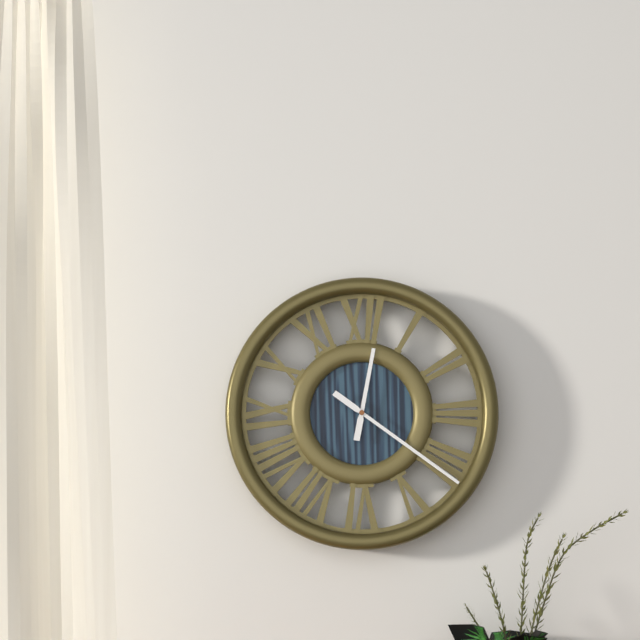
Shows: 12:21
